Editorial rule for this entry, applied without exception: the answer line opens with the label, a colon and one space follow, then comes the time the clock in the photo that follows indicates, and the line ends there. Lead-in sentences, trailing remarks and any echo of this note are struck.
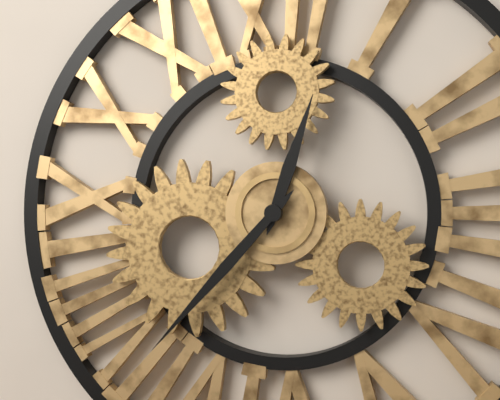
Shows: 12:37
